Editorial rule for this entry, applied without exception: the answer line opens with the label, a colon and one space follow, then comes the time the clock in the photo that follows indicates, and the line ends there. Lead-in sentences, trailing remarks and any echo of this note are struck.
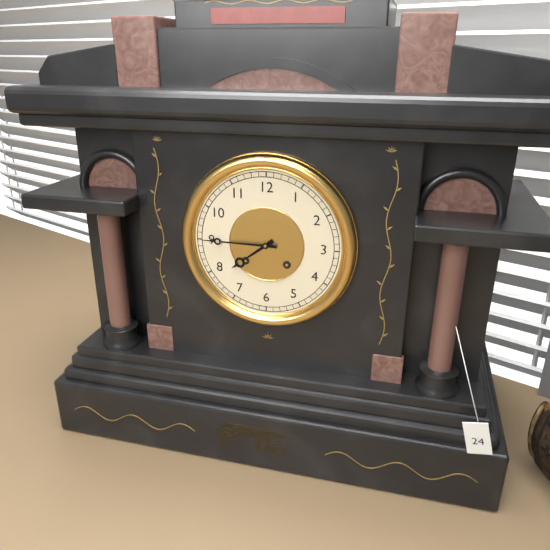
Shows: 7:45
